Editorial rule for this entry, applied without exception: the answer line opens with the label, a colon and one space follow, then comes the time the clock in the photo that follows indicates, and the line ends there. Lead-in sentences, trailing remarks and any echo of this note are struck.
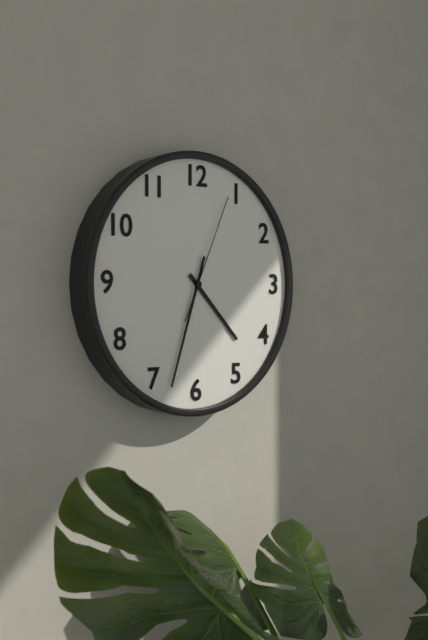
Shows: 4:33:04
